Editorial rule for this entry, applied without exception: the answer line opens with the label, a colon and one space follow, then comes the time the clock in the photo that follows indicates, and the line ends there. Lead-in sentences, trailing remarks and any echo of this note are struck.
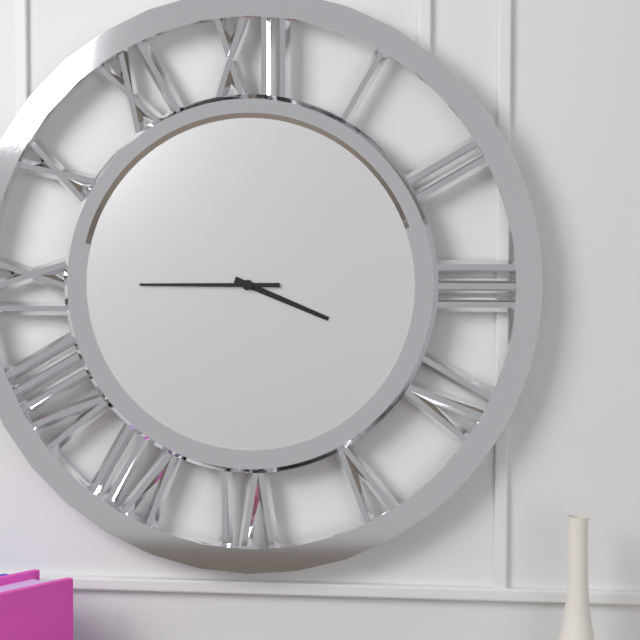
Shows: 3:45
